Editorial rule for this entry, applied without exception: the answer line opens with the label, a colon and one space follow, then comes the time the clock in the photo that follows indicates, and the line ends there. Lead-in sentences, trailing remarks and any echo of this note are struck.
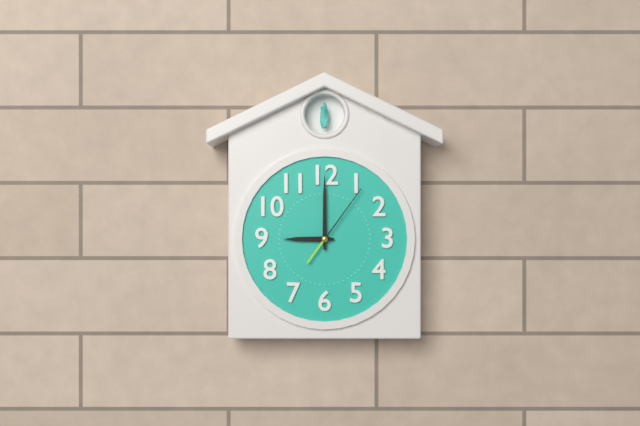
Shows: 9:00:06
